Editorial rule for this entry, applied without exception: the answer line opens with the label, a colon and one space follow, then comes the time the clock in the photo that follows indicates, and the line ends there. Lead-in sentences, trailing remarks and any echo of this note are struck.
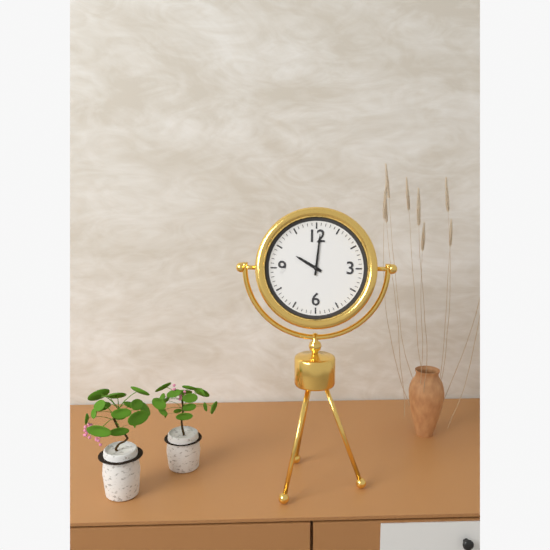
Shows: 10:01
